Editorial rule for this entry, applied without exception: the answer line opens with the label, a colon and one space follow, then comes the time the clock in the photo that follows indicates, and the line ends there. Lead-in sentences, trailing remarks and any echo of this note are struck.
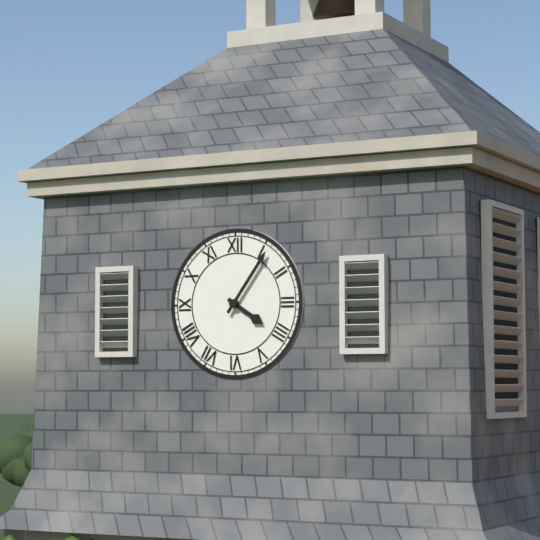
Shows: 4:06
